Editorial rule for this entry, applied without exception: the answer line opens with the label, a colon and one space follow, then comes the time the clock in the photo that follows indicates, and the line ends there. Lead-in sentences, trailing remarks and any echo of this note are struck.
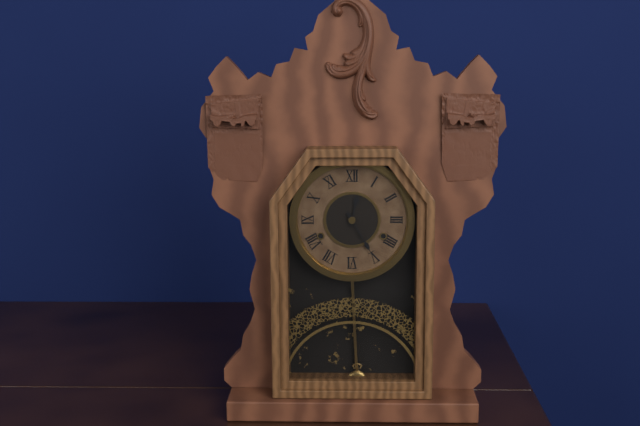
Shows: 12:25
